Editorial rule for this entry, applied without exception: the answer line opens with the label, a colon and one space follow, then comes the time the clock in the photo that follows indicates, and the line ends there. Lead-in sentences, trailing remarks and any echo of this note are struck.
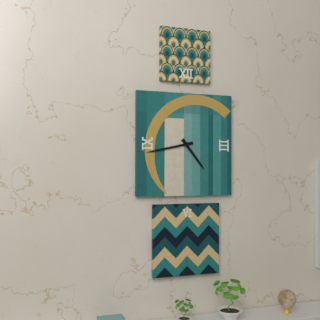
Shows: 4:43
